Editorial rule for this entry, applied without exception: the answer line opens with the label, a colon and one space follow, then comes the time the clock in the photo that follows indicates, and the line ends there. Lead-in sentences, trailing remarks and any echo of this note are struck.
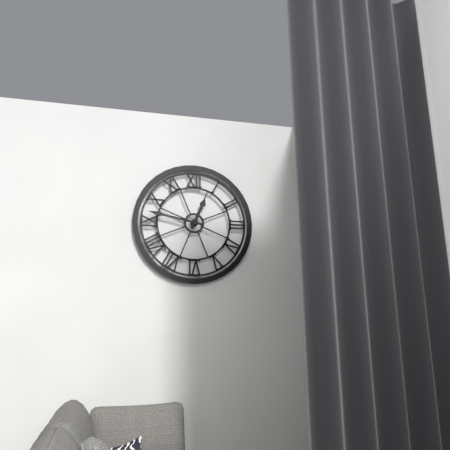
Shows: 12:47
